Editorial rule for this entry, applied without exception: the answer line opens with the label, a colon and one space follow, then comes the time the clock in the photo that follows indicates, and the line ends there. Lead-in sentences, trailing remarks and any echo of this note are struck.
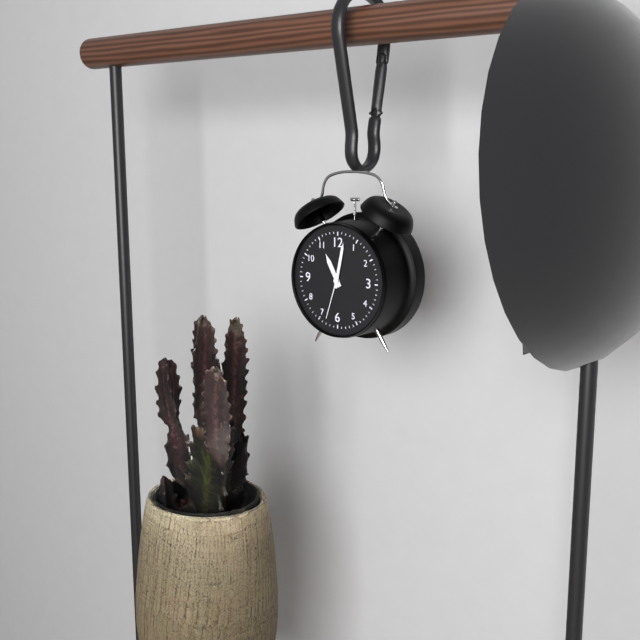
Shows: 11:02
